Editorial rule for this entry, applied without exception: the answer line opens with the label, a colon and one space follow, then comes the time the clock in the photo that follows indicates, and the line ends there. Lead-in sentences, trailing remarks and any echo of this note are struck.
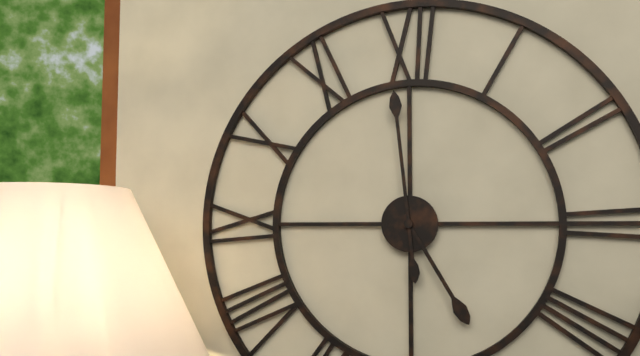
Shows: 4:59
